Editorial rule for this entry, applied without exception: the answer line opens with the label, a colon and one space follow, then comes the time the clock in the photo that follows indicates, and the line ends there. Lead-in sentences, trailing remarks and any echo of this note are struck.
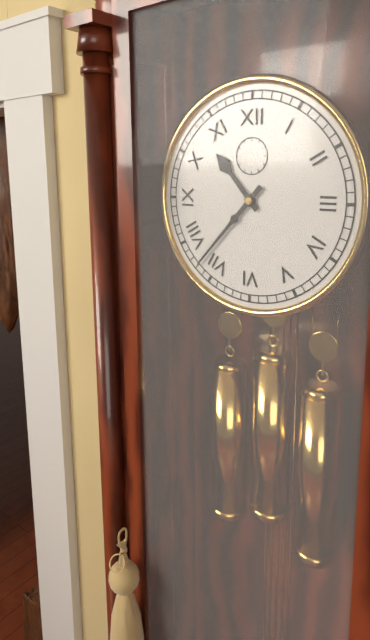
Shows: 10:37
